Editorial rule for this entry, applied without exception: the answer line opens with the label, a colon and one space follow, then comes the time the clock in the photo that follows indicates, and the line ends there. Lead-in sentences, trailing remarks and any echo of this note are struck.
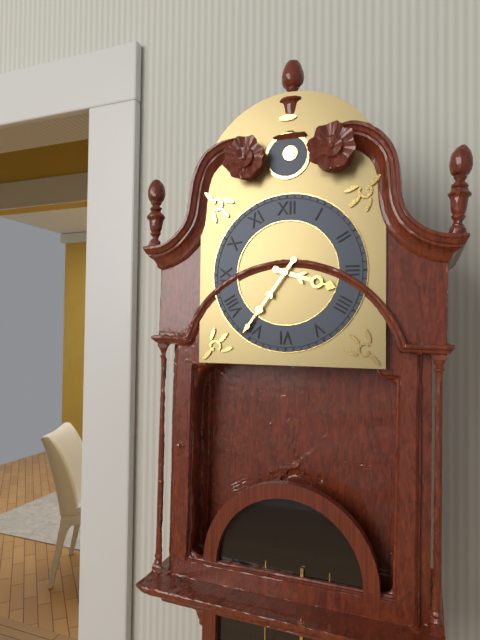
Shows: 3:36
